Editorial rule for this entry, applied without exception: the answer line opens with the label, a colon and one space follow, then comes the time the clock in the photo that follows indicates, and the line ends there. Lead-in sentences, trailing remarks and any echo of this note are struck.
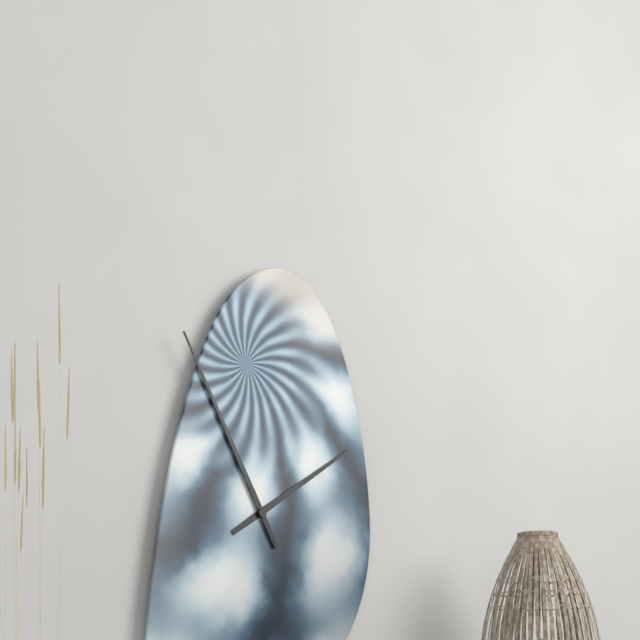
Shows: 1:55
